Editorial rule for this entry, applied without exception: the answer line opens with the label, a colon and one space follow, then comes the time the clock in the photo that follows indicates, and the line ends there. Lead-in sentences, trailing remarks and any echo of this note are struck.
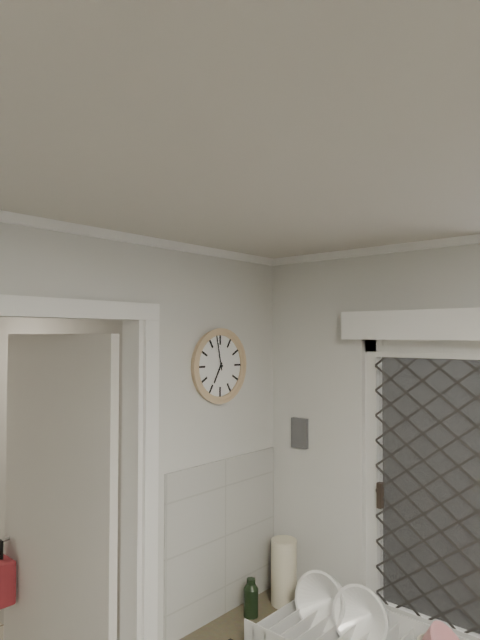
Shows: 6:58
